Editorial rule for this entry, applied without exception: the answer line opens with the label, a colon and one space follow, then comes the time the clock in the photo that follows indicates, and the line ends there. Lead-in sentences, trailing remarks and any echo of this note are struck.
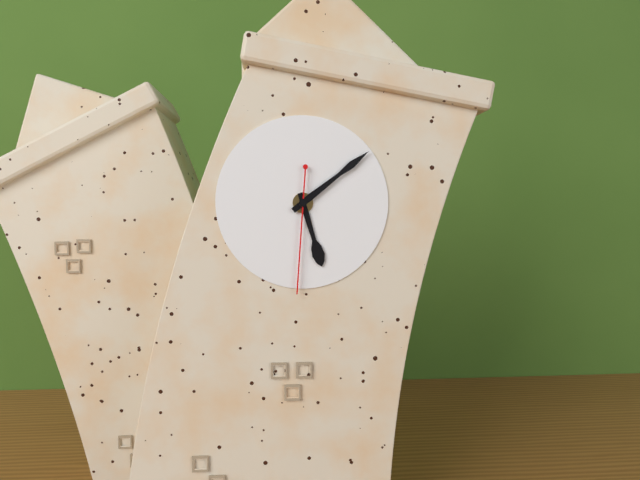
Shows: 5:07:29
